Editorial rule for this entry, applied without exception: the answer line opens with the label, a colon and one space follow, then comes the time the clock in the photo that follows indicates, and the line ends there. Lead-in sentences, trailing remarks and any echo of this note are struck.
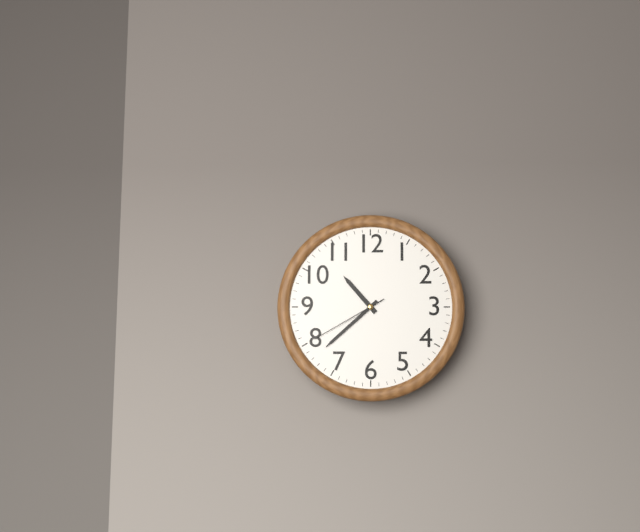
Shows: 10:38:40
